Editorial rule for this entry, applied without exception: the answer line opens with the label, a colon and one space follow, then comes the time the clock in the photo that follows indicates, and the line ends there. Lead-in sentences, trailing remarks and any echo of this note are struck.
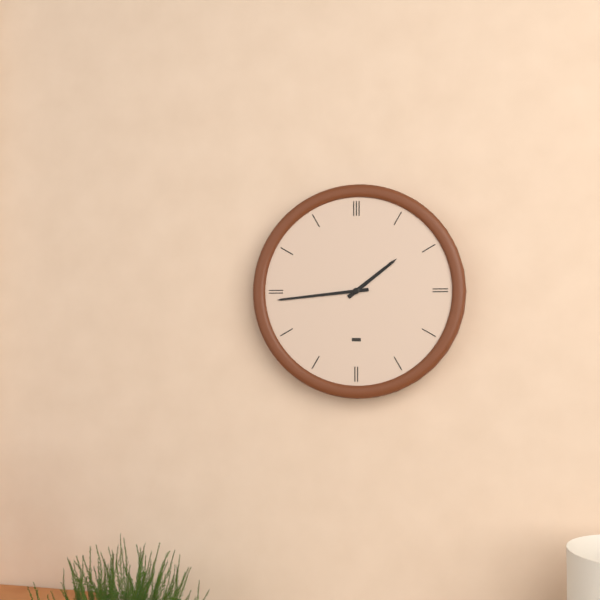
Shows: 1:44
